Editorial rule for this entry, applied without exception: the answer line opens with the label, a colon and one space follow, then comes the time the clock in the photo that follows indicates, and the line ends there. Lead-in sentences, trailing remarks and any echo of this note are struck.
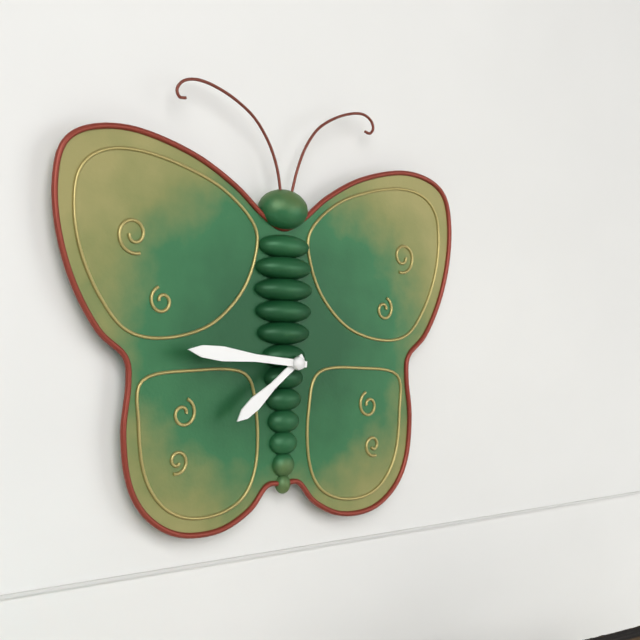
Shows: 7:46
